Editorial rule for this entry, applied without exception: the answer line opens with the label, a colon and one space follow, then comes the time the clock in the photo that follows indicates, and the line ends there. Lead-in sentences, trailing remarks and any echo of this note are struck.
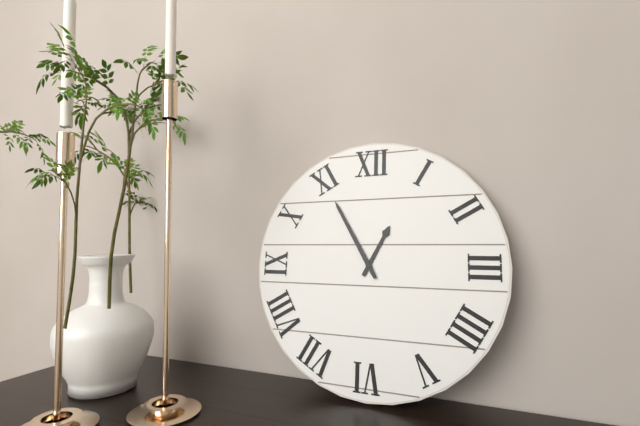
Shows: 12:55
